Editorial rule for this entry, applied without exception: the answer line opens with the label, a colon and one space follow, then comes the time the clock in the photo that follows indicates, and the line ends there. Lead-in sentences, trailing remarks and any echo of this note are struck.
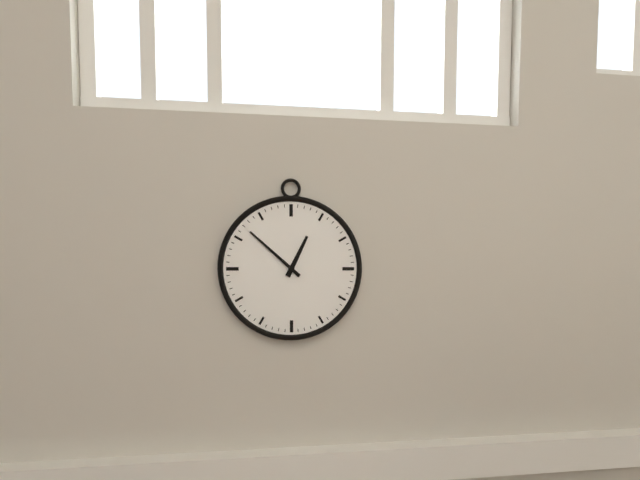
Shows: 12:52
